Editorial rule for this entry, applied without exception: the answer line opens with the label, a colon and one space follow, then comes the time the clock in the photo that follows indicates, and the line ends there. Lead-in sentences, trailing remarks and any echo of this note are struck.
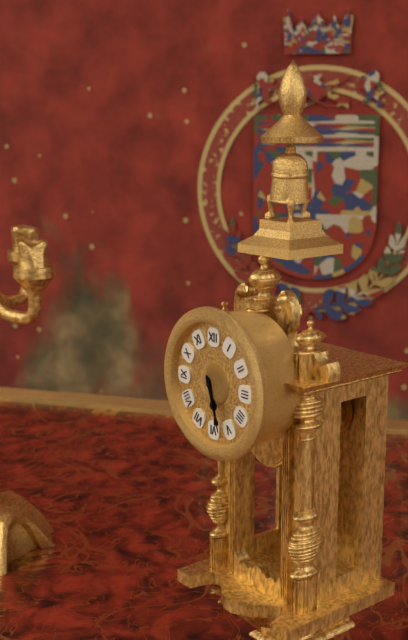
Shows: 5:27
